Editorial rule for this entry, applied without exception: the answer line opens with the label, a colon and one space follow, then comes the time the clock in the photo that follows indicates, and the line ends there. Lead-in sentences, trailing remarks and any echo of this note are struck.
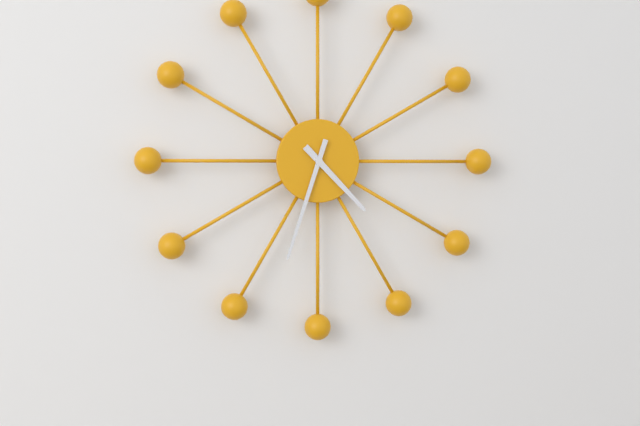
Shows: 4:33
